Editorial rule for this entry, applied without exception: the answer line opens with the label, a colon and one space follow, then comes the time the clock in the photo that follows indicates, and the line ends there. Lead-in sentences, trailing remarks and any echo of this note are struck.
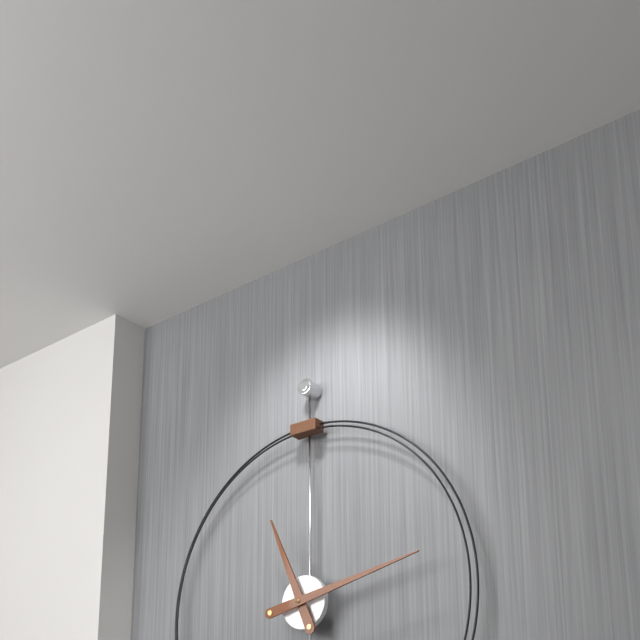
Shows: 11:13
